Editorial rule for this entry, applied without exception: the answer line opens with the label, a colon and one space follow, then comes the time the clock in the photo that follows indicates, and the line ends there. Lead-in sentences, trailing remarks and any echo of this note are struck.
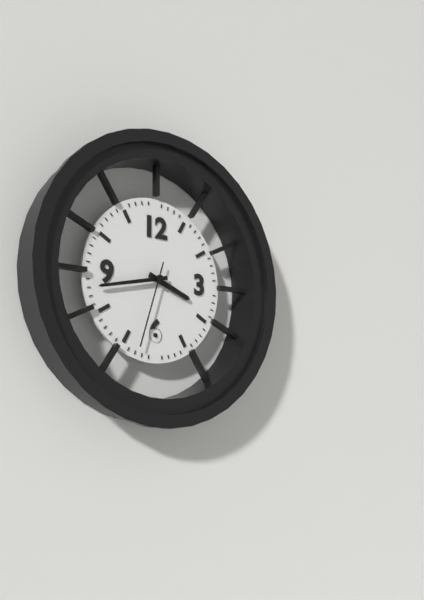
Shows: 3:43:33
